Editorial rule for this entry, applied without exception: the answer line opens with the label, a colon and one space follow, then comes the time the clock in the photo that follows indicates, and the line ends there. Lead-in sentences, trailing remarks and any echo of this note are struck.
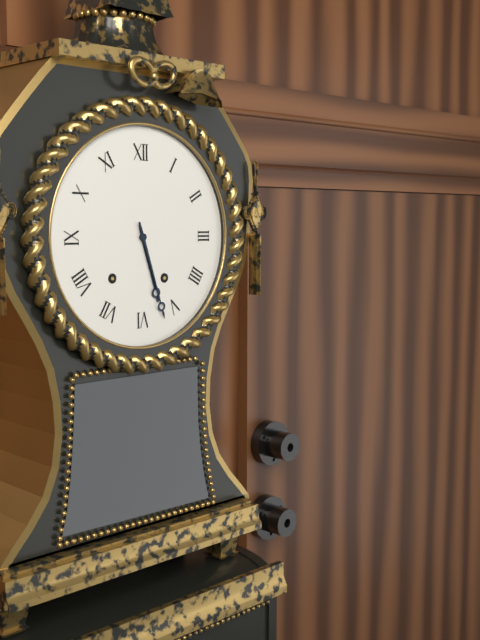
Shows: 5:27
